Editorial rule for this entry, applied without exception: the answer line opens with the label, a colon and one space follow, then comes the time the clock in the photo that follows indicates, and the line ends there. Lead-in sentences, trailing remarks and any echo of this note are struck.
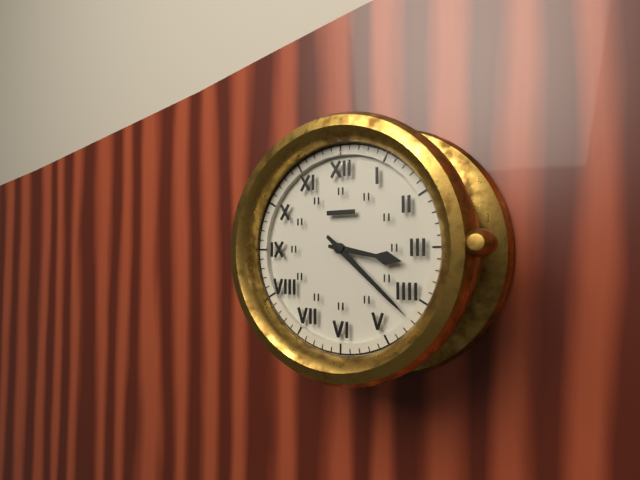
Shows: 3:22
